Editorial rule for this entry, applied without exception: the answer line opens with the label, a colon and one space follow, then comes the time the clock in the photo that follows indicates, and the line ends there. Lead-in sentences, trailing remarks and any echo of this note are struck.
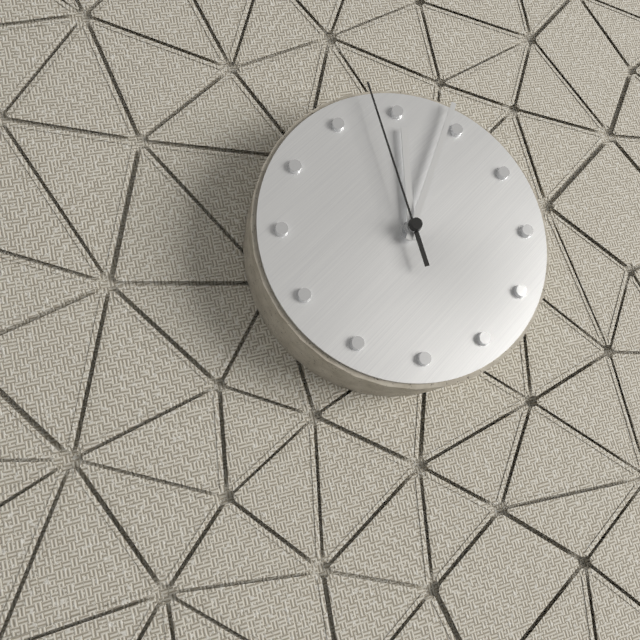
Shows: 12:04:58
